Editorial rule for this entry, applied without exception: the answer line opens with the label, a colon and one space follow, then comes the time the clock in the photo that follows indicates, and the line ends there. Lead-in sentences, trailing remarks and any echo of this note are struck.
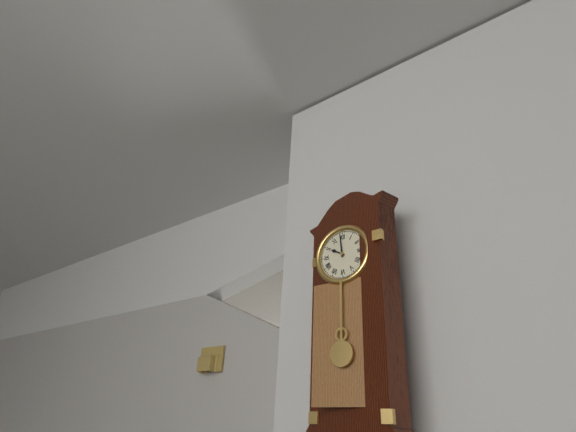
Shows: 9:59
